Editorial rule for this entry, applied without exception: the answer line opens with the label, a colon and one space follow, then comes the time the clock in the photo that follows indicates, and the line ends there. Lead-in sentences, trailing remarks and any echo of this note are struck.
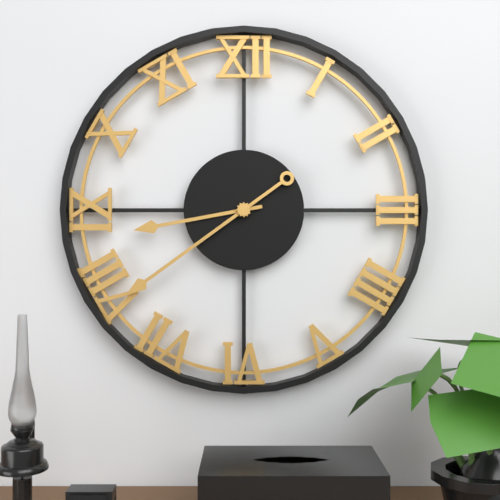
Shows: 8:39
